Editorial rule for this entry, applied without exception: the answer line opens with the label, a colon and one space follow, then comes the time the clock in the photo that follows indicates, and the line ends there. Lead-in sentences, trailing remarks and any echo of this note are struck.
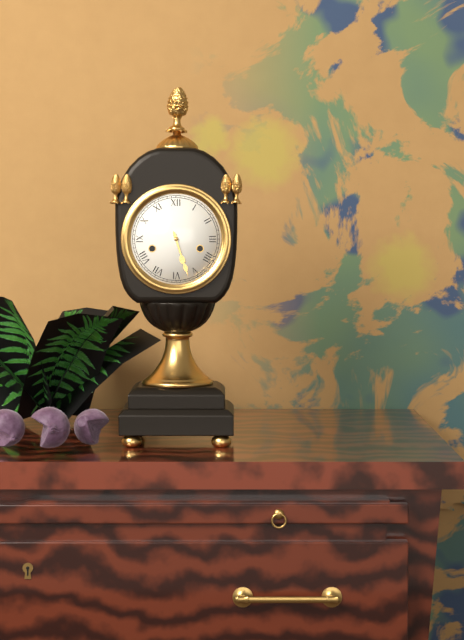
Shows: 5:27
